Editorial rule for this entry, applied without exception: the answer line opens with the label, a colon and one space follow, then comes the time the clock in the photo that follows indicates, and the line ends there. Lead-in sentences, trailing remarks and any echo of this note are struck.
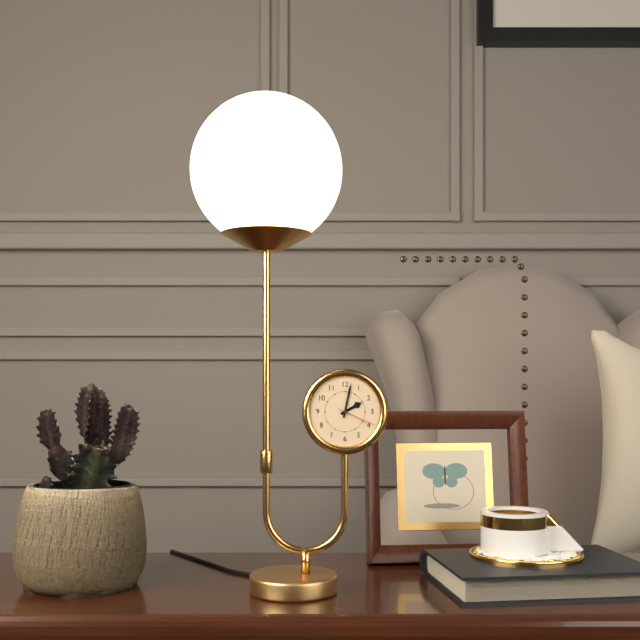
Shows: 2:02
